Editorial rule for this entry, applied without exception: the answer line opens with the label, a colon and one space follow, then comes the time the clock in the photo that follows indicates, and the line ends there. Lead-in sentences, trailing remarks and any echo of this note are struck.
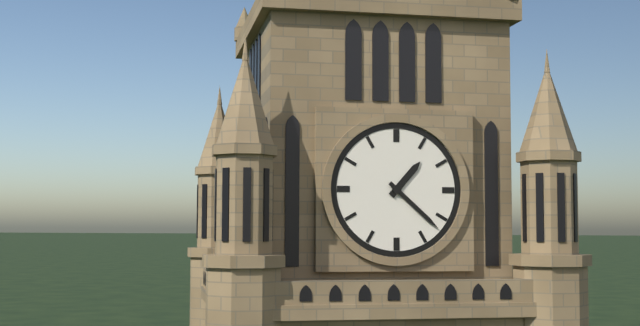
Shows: 1:22
